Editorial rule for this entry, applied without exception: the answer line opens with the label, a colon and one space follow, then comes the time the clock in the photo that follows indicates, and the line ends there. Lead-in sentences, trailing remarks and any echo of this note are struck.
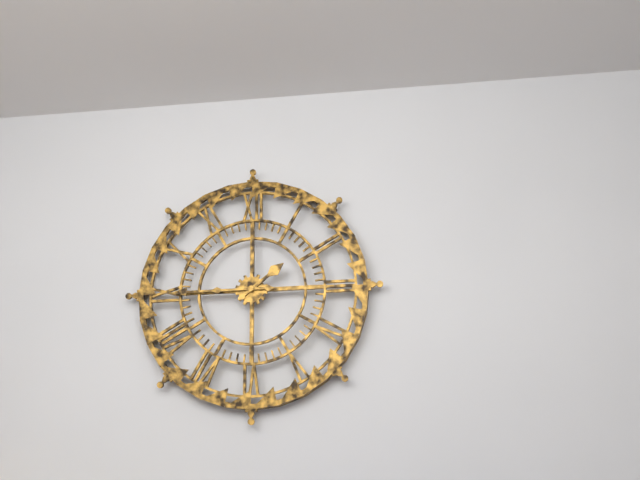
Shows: 1:45
